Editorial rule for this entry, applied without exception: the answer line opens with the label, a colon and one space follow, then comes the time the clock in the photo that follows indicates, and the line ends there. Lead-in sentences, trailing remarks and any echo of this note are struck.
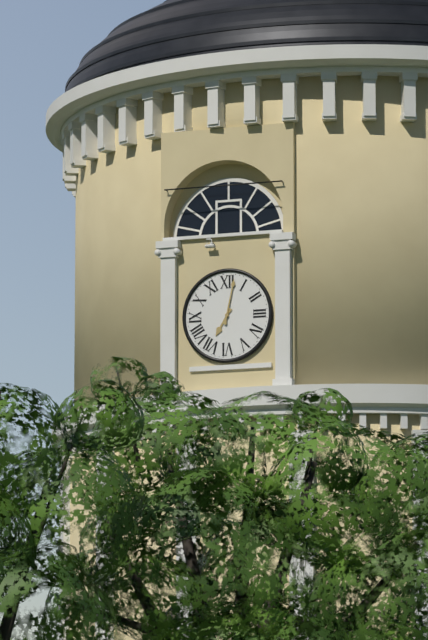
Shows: 7:02
